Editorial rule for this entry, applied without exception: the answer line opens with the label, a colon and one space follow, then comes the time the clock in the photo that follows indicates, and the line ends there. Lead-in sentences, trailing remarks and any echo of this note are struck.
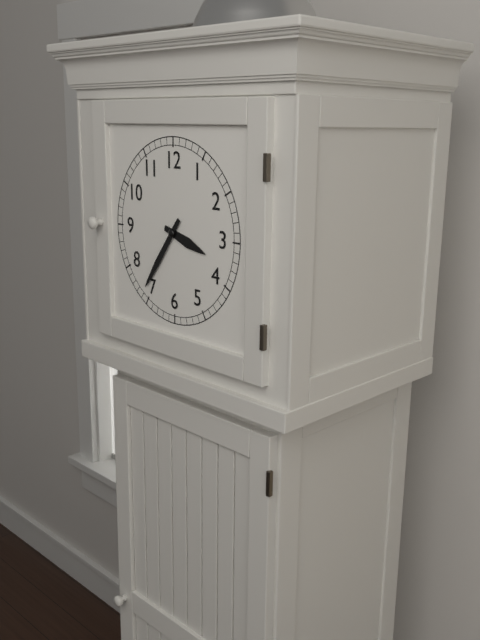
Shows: 3:36
